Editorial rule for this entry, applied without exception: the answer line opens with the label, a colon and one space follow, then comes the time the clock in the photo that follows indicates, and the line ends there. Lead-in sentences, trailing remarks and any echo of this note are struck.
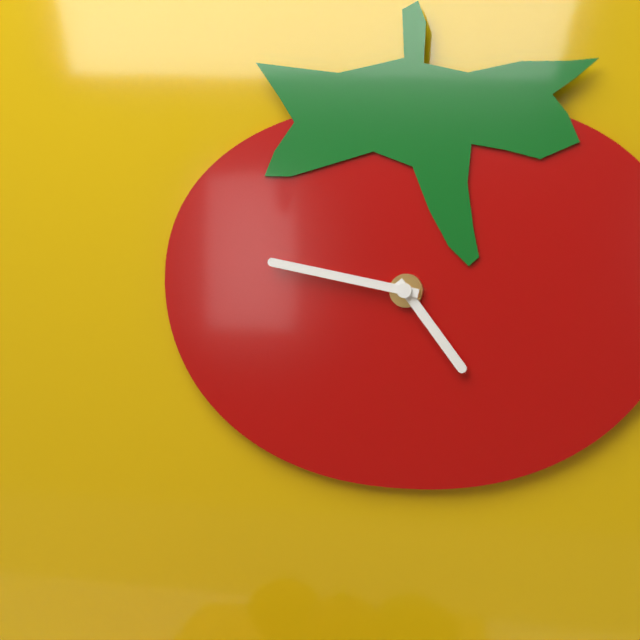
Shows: 4:47
